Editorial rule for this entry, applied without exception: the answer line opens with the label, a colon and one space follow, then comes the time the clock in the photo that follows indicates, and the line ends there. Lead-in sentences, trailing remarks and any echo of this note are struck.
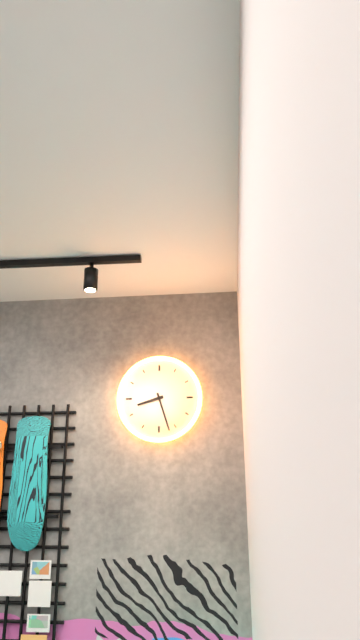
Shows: 8:27
